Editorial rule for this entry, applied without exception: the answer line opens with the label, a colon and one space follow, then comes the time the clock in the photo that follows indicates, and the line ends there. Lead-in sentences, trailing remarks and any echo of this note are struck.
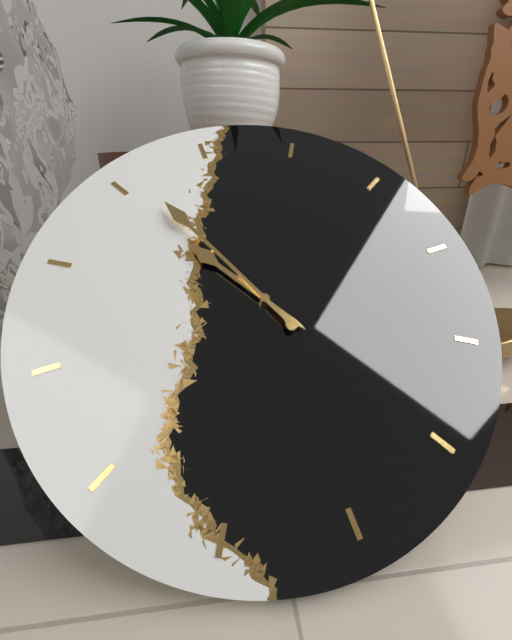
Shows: 10:56
